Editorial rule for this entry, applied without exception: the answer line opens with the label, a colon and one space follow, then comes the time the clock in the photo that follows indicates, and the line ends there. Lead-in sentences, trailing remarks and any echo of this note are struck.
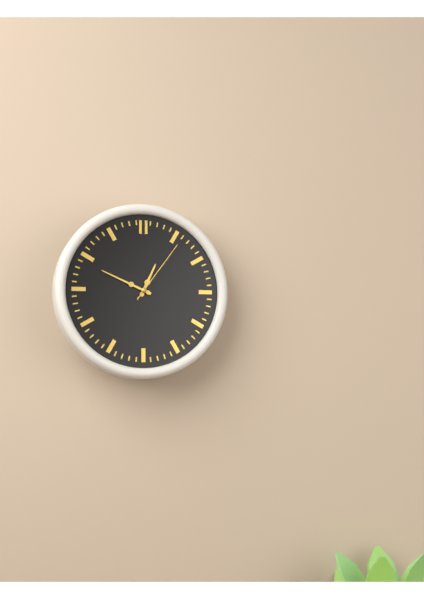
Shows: 12:49:06
